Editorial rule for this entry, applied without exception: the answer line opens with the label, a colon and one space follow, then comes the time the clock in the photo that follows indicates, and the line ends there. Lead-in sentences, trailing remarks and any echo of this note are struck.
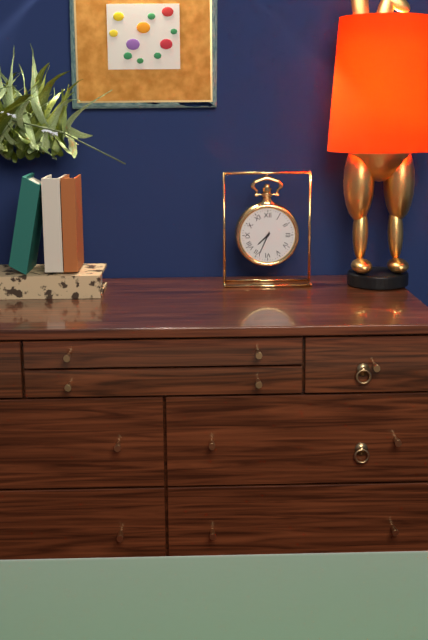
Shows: 7:34
